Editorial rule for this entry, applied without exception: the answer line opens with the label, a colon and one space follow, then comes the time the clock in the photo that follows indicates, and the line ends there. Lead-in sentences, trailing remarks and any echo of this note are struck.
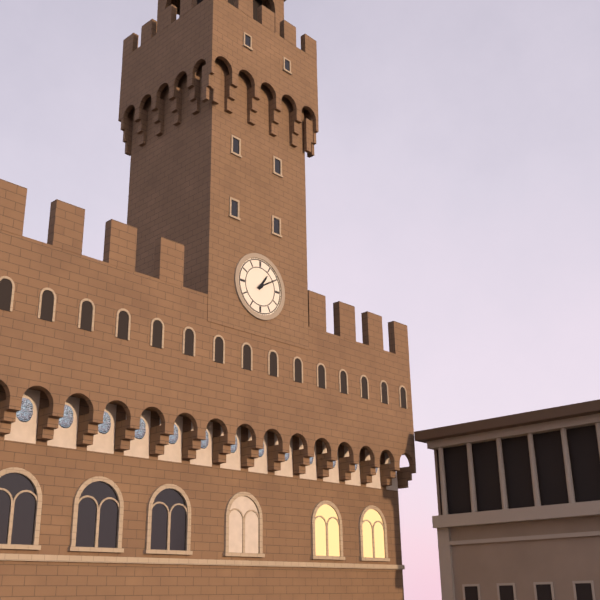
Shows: 1:10
